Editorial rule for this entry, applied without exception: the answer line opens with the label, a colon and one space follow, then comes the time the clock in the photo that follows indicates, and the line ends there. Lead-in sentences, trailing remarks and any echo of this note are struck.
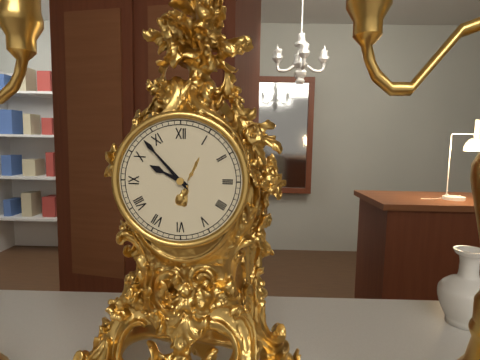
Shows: 9:53
